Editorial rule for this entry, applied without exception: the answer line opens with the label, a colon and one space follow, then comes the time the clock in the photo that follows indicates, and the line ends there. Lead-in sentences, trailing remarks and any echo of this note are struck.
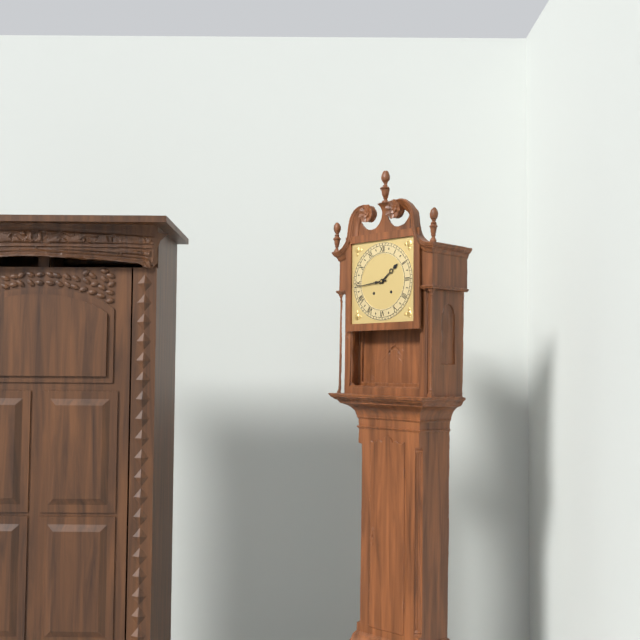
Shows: 1:44
